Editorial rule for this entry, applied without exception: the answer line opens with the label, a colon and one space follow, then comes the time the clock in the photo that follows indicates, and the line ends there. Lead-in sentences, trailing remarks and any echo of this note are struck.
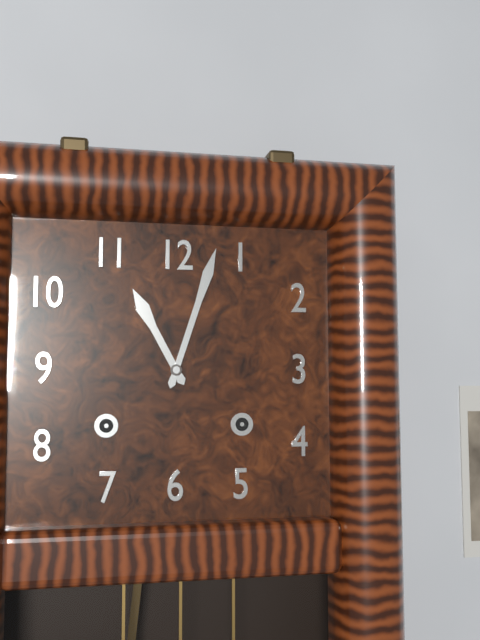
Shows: 11:03
